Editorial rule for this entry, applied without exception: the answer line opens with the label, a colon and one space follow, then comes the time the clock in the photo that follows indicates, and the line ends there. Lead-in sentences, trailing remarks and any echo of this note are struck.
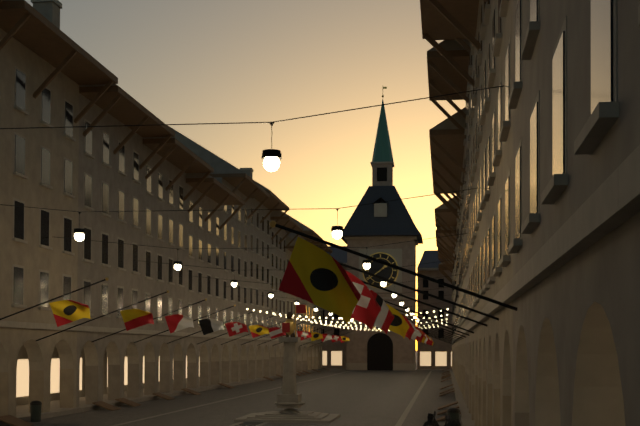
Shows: 1:39
